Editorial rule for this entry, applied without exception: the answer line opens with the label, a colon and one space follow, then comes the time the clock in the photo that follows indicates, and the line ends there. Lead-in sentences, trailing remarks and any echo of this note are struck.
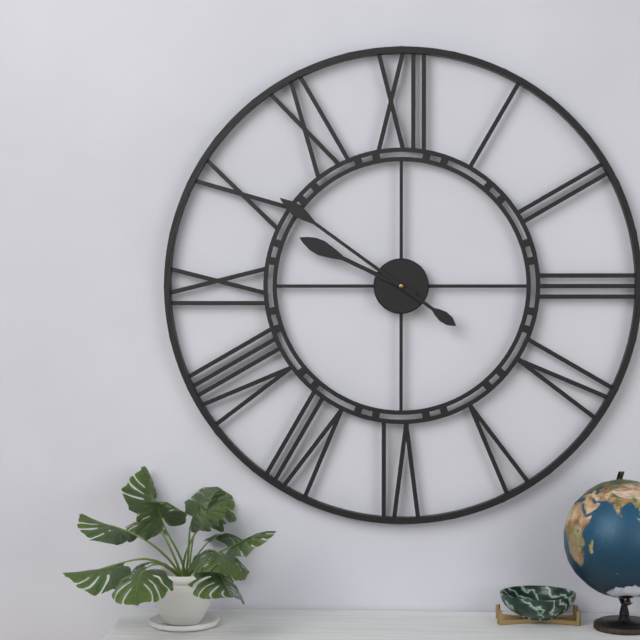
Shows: 9:51
